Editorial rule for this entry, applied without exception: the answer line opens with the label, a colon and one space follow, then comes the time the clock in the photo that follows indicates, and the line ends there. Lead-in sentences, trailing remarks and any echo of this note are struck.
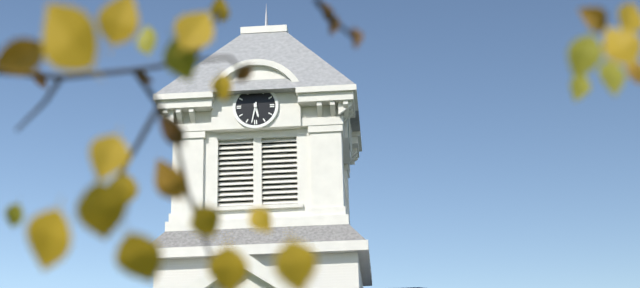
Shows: 5:32
